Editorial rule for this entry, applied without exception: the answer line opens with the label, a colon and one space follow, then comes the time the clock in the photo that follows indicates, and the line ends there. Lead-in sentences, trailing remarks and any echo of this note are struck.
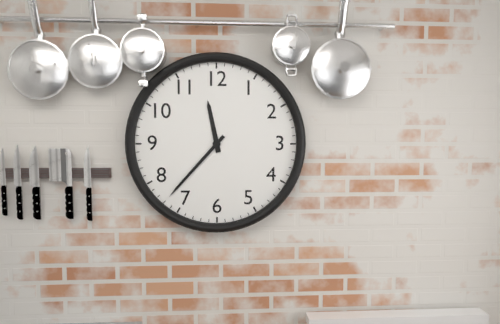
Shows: 11:37
